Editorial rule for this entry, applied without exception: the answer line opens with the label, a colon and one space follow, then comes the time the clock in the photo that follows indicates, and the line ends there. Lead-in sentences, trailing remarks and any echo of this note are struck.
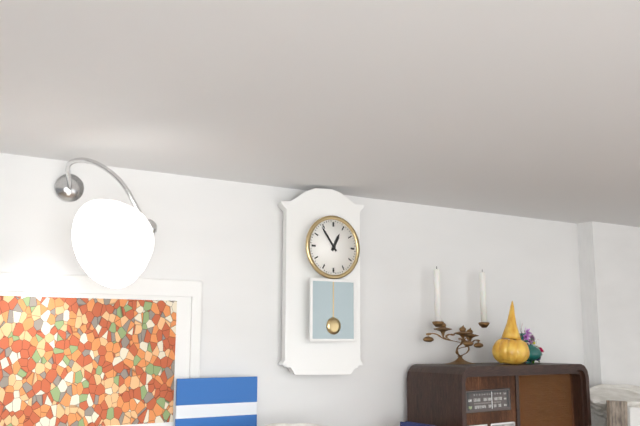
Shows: 12:54
